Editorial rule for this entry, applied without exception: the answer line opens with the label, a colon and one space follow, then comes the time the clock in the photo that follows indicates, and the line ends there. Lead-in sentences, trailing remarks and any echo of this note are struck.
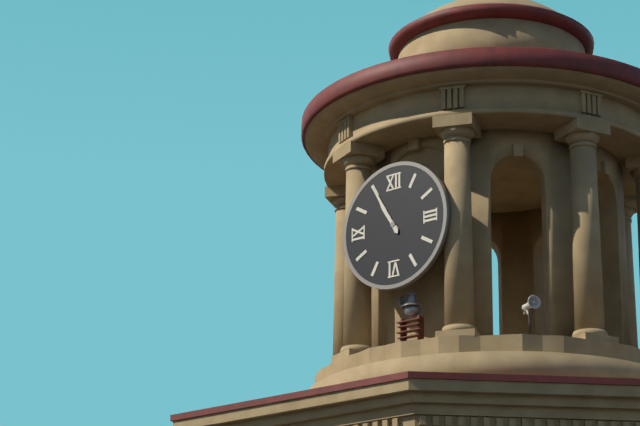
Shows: 10:55
